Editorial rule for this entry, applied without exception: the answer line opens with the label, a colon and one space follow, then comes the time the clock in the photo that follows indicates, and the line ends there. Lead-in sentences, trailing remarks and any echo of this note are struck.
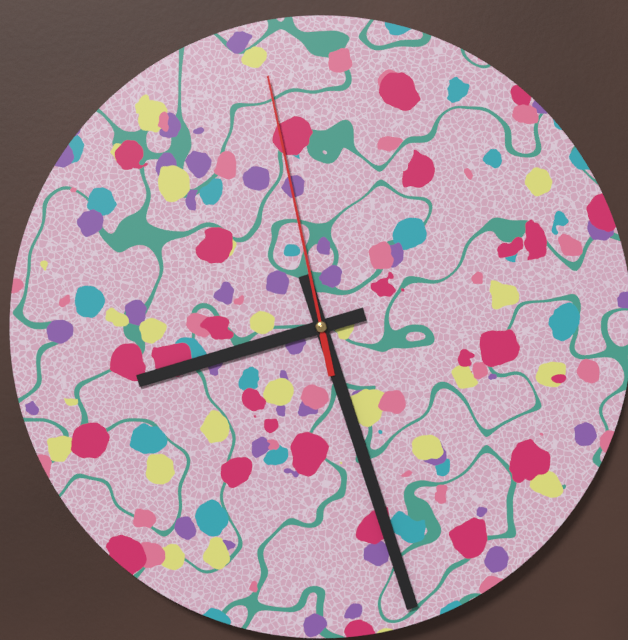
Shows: 8:27:58
